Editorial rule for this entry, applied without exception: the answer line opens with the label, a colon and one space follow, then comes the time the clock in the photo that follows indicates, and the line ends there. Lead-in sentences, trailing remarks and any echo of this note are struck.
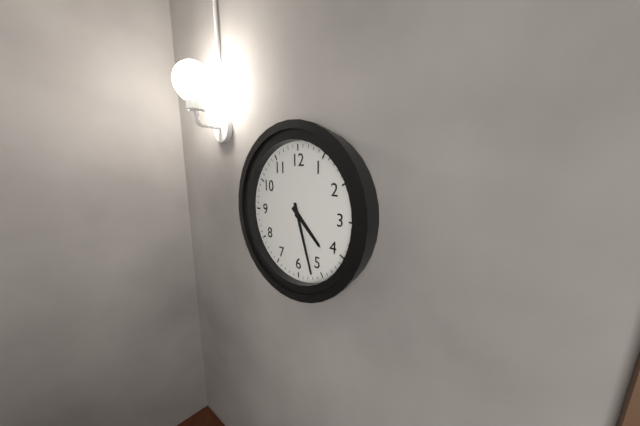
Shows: 4:27
